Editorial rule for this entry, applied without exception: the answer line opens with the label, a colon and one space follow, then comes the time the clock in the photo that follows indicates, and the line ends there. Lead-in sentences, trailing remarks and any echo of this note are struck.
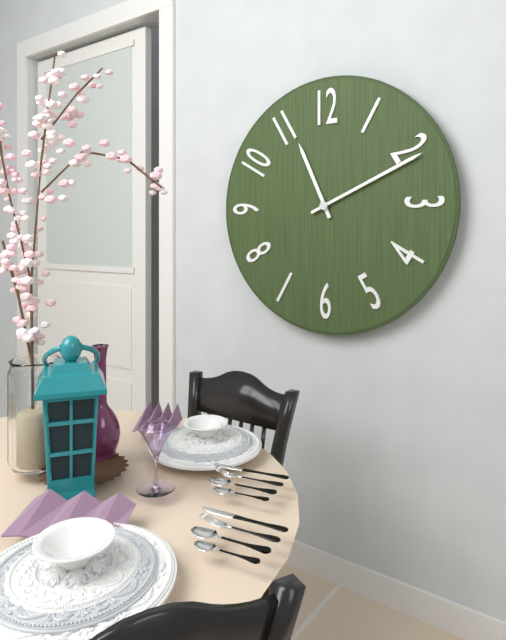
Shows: 11:11
